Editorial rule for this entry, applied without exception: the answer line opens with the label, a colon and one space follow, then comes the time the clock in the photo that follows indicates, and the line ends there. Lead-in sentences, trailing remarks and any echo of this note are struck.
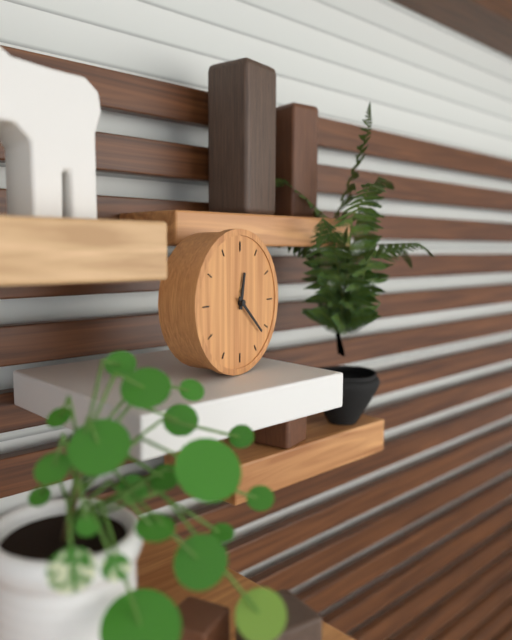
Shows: 12:22
